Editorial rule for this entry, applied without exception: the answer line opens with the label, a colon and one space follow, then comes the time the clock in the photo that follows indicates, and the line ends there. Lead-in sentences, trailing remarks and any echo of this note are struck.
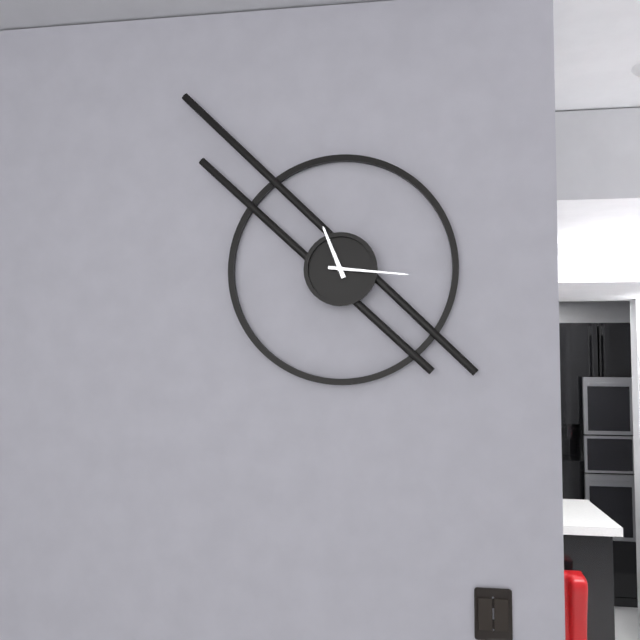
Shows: 11:16
